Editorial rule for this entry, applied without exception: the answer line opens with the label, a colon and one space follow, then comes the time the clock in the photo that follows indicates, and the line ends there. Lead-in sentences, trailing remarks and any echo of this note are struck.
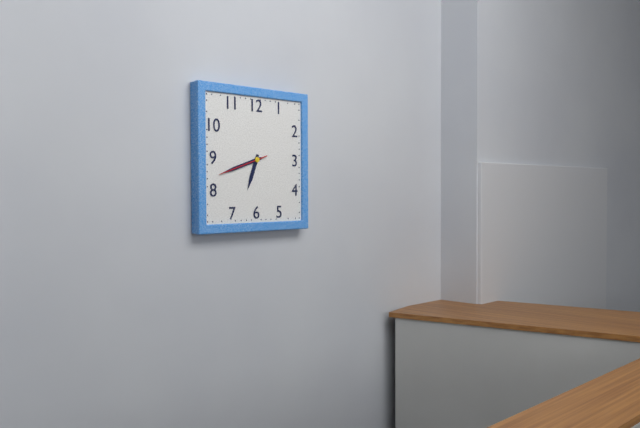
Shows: 6:42:42
